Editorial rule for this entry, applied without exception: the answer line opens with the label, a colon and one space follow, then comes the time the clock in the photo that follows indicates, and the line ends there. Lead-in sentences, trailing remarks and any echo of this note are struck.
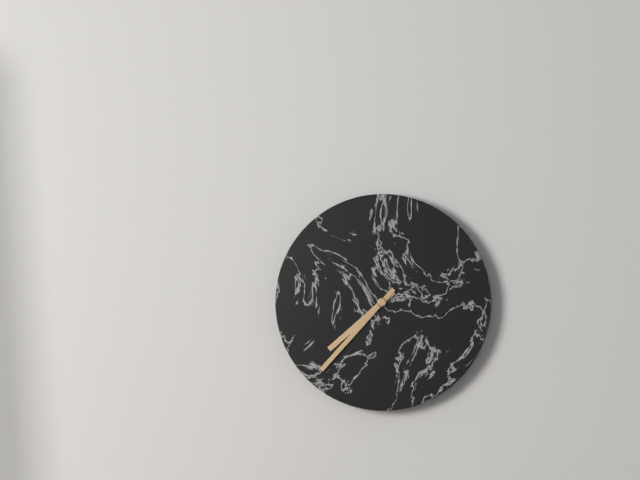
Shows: 7:37
